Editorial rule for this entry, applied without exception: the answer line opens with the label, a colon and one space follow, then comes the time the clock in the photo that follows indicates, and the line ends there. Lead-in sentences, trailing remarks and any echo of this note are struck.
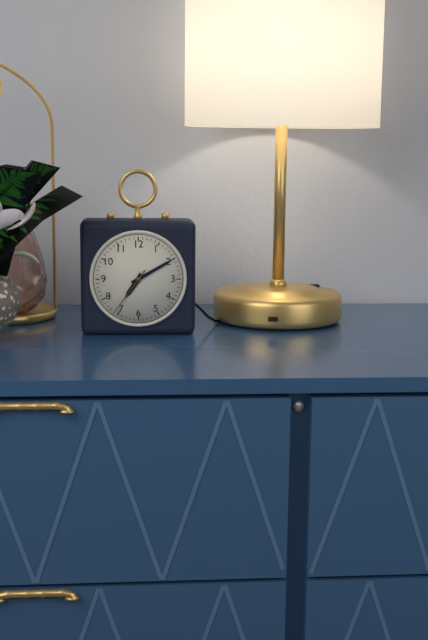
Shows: 7:10:36
